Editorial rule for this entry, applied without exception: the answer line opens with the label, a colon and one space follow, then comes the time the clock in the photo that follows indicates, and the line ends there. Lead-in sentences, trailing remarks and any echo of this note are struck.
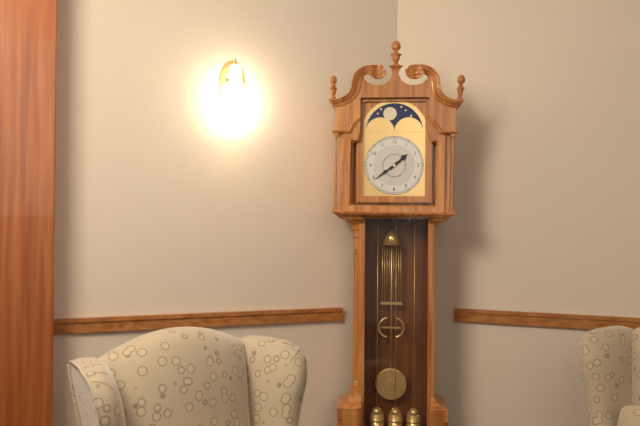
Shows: 1:39
